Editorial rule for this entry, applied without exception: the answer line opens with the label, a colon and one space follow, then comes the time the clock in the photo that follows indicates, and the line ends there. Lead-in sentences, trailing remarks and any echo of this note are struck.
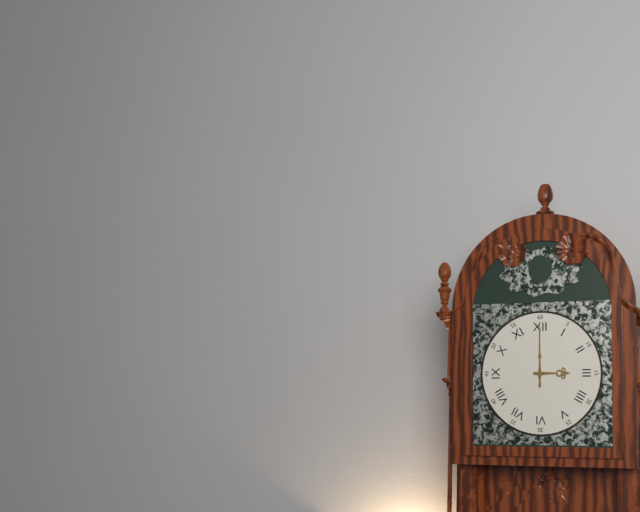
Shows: 3:00
